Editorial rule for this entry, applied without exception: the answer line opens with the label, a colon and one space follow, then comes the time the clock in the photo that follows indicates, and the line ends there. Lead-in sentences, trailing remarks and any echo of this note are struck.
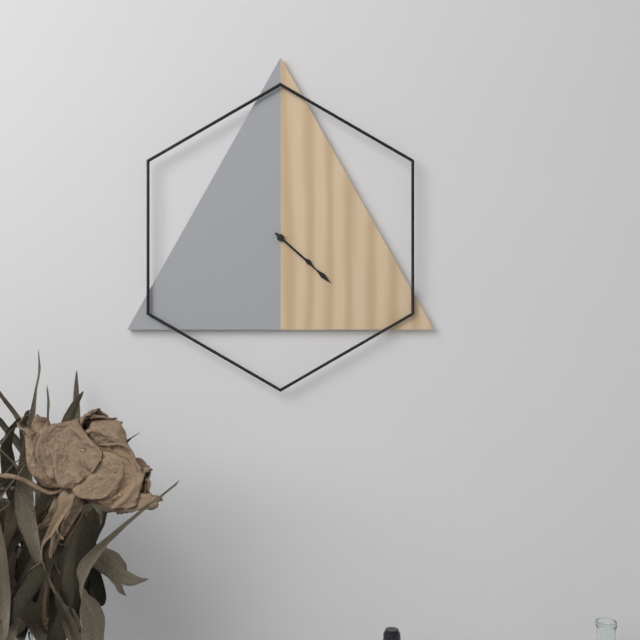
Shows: 4:22
